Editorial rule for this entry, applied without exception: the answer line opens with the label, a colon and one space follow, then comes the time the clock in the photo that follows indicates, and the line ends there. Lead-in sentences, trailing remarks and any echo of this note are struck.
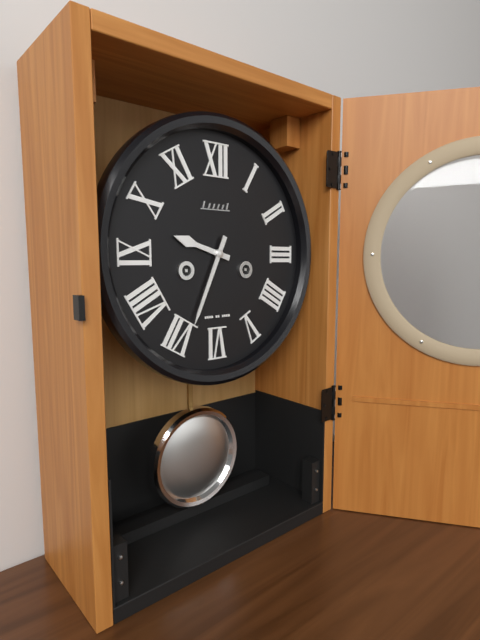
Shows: 9:34
